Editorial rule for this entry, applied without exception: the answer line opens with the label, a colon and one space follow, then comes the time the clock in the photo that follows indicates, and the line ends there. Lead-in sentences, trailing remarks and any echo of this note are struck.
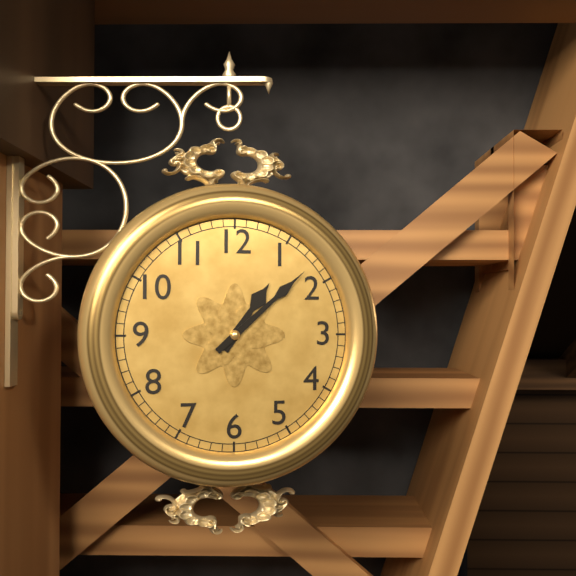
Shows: 1:08
